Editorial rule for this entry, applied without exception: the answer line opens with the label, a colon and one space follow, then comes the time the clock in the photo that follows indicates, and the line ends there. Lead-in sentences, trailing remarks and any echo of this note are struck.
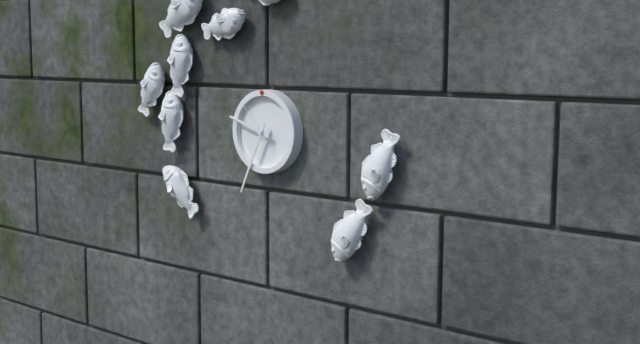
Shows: 9:34
